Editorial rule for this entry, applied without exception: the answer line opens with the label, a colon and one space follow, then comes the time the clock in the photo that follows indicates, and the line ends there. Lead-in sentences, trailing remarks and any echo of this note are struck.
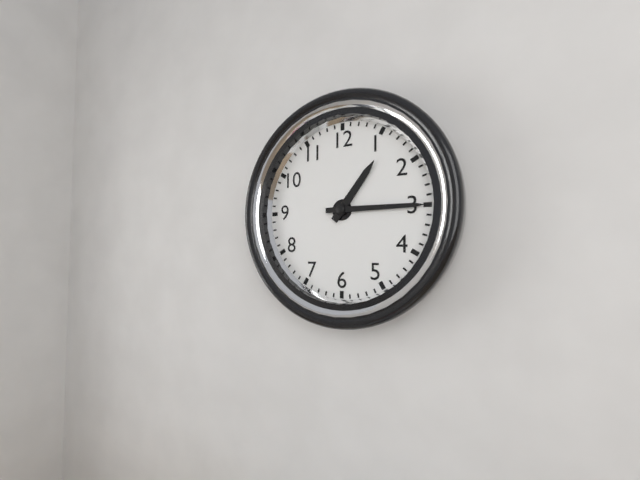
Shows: 1:15
